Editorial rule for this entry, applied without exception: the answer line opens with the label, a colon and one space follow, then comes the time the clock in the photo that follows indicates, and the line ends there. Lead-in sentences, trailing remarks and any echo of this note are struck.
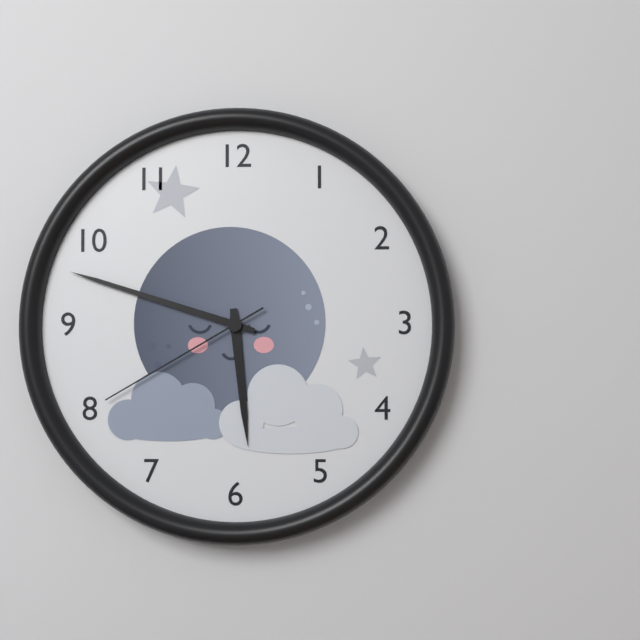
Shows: 5:48:40
